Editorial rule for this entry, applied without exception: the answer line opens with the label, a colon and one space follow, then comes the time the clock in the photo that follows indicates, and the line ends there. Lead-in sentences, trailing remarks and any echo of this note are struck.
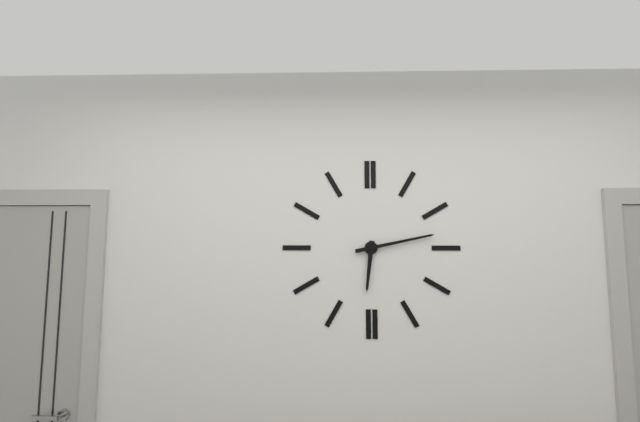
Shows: 6:13
